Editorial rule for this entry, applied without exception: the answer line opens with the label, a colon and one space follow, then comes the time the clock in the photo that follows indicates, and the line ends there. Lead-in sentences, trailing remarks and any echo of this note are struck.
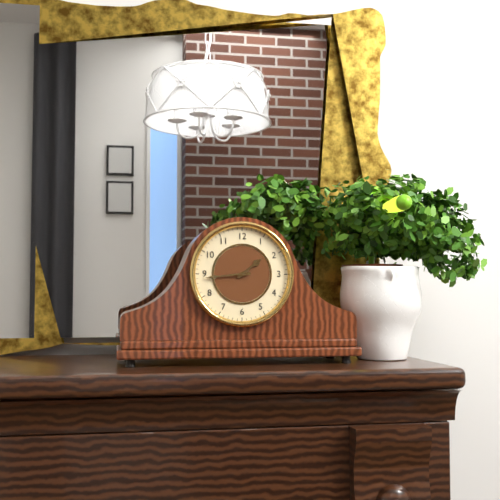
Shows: 1:44
